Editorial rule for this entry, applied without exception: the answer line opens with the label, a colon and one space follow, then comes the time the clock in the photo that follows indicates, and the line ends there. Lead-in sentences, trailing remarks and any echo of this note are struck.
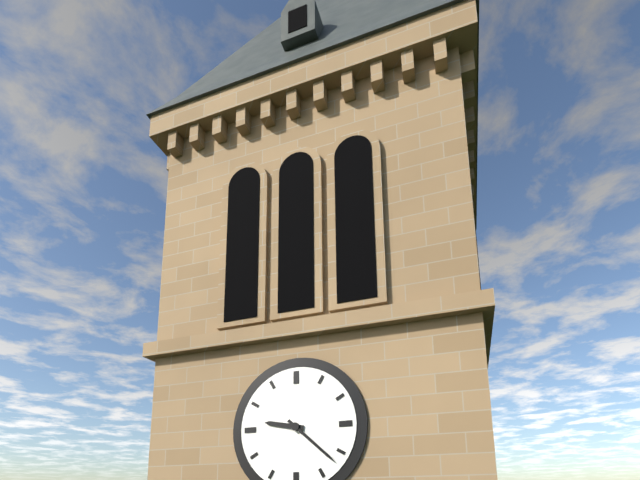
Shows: 9:22
